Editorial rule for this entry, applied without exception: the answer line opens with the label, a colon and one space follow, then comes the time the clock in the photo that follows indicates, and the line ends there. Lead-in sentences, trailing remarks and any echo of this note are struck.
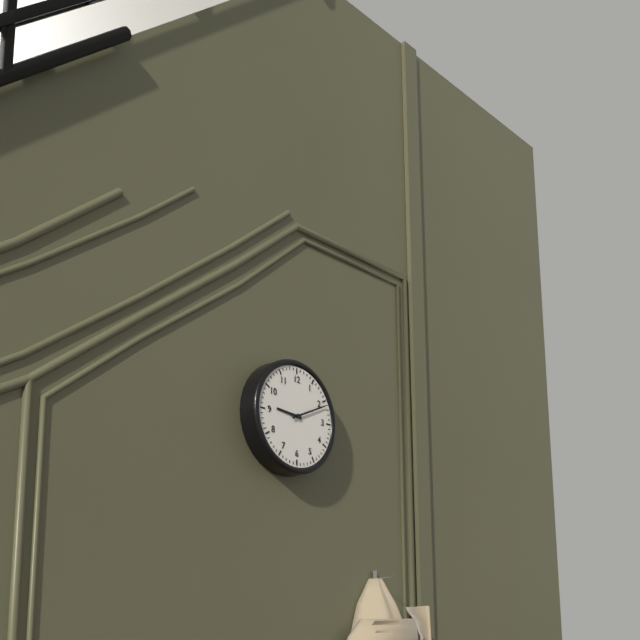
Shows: 9:11
